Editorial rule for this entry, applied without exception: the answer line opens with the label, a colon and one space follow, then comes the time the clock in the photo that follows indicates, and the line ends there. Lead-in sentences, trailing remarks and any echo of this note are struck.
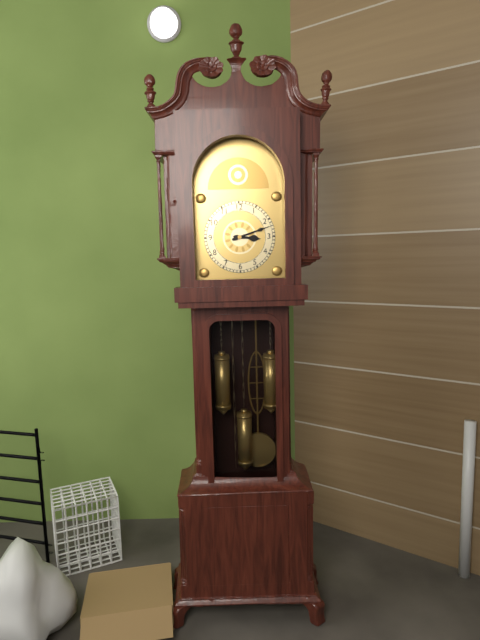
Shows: 3:12
